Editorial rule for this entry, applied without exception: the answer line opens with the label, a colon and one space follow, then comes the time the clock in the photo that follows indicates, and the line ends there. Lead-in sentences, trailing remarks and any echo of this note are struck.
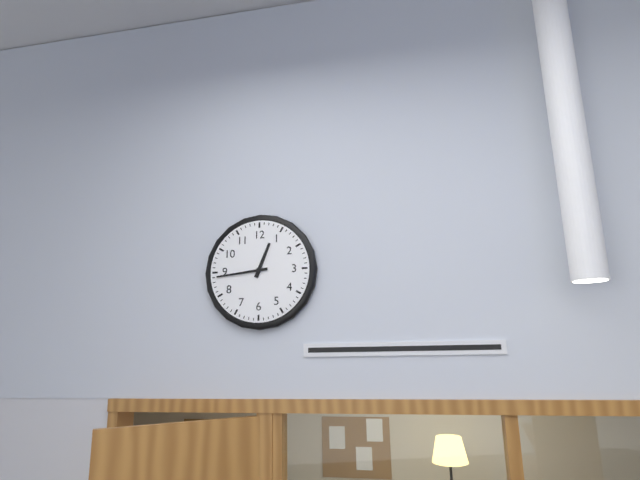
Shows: 12:44
